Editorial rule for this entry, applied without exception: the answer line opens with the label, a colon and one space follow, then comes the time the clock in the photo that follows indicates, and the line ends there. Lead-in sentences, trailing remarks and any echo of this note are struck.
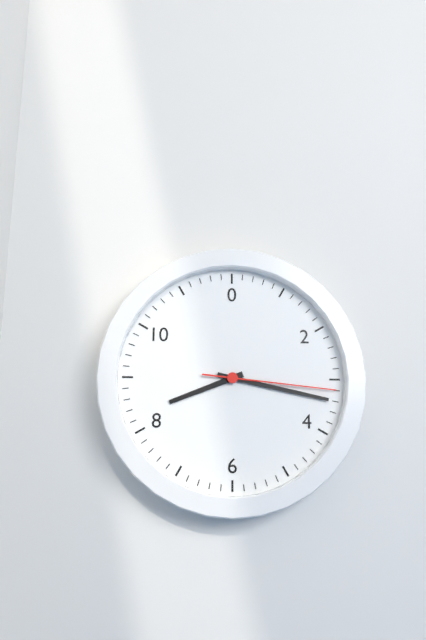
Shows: 8:17:16
